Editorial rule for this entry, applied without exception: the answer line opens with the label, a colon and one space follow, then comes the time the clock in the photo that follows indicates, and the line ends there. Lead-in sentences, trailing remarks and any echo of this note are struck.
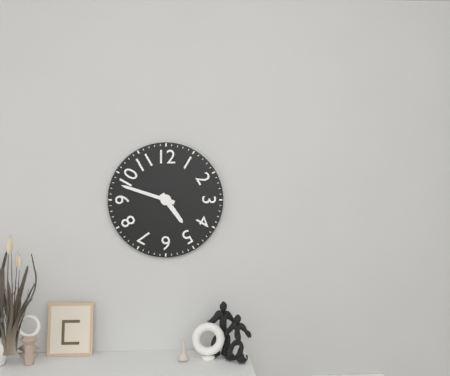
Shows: 4:48
